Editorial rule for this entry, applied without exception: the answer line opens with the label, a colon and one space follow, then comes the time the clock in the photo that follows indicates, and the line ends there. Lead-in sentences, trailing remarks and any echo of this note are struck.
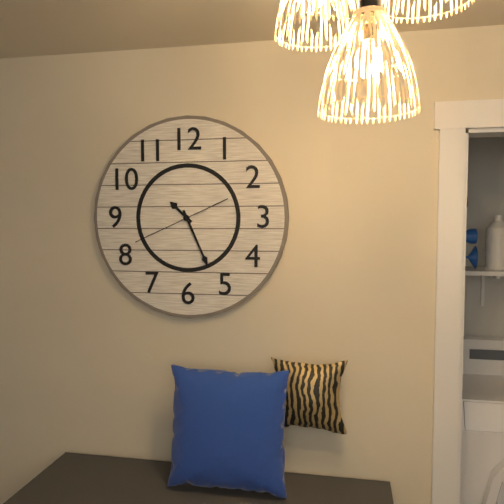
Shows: 10:26:41
